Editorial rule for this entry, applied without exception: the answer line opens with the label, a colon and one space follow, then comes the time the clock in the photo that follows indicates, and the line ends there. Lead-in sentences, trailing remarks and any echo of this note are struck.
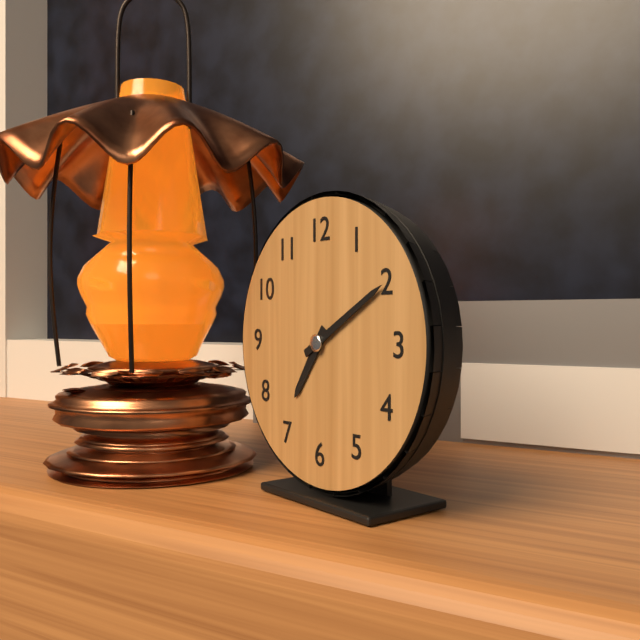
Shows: 7:10
